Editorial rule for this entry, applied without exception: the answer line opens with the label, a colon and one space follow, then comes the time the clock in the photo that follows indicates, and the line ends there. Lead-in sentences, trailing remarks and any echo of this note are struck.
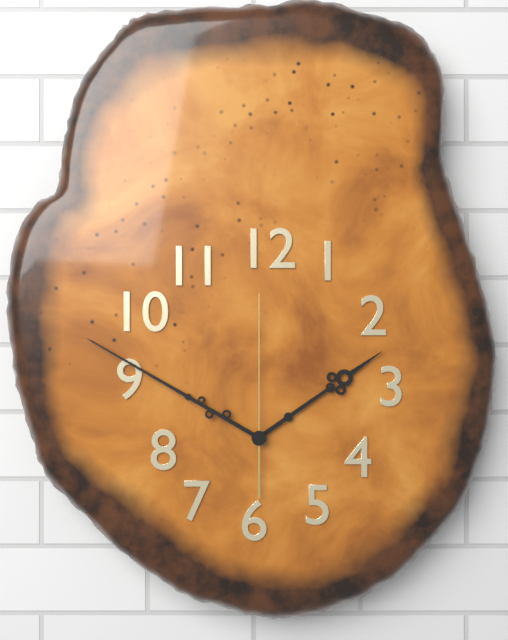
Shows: 1:50:00
